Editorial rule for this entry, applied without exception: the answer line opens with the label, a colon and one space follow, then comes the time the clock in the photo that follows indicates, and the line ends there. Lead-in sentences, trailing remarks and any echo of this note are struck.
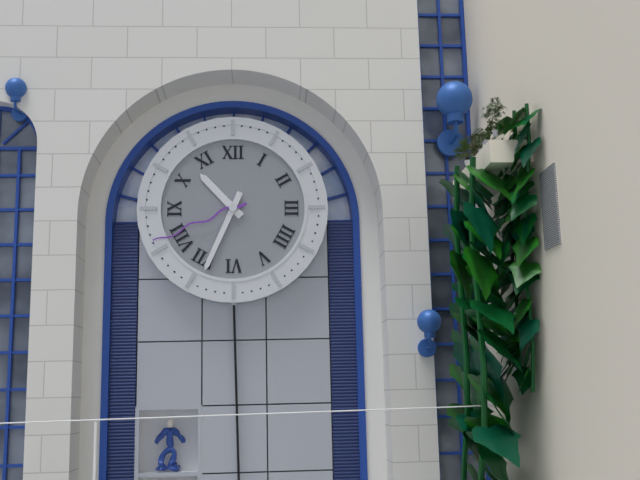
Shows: 10:34:41
